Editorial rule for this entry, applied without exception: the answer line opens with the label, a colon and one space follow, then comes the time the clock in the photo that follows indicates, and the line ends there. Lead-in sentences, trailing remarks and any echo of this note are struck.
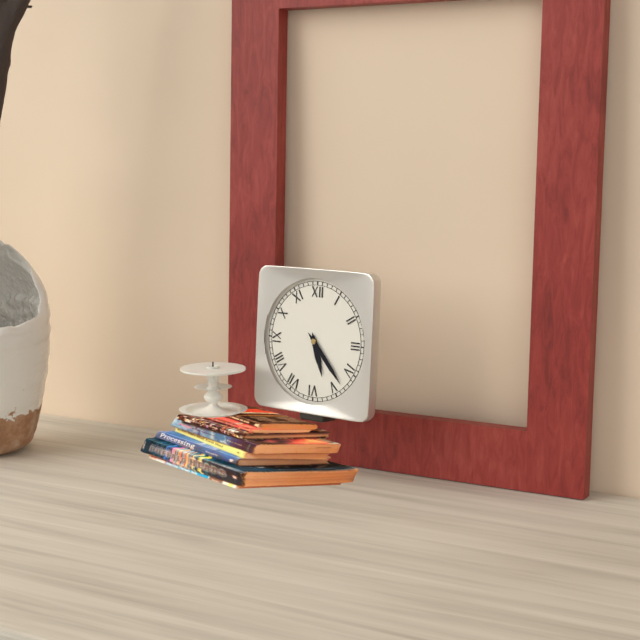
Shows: 5:23
